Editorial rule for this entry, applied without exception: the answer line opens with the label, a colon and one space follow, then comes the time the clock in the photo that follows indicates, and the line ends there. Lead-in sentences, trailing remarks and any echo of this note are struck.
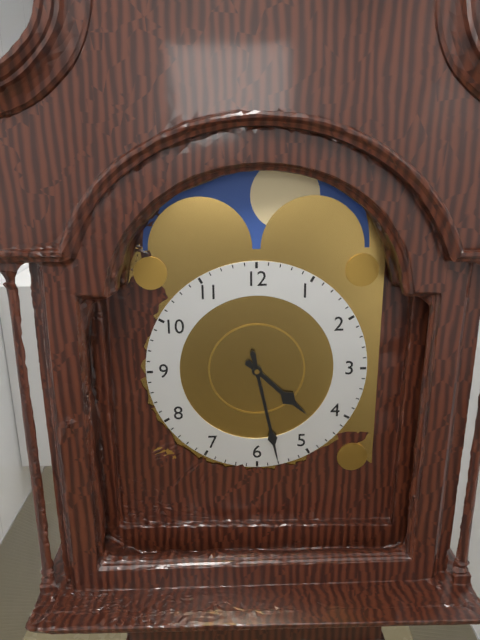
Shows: 4:28
